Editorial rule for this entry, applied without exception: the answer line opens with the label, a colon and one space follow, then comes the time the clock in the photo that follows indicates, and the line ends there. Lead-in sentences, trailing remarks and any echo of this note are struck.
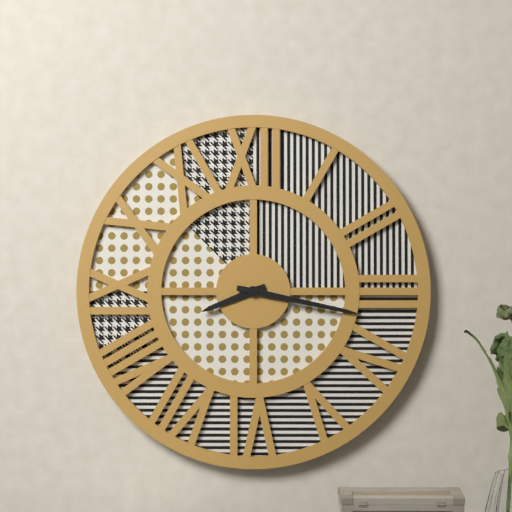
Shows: 8:17
